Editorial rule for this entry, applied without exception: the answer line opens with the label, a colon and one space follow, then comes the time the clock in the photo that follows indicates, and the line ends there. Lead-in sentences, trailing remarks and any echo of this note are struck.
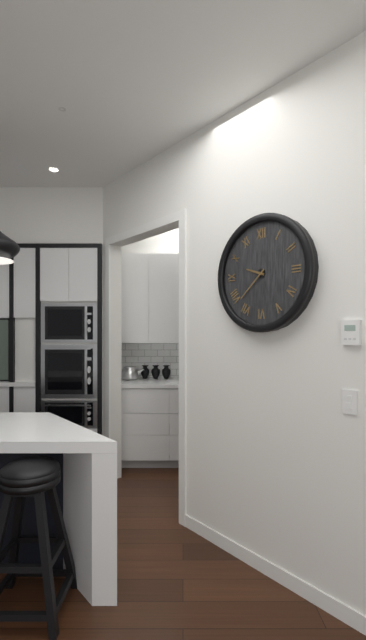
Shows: 9:38
